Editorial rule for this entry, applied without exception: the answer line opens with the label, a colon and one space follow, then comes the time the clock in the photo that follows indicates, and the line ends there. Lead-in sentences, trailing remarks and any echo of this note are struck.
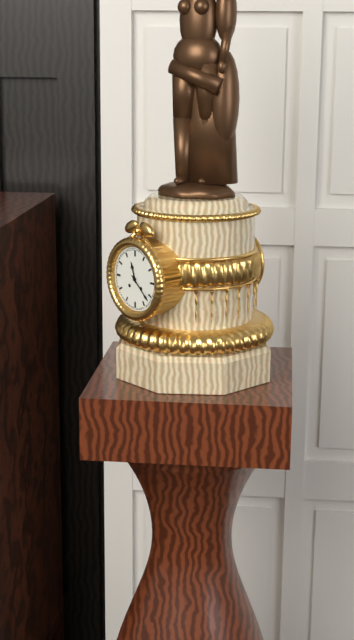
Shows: 11:22
